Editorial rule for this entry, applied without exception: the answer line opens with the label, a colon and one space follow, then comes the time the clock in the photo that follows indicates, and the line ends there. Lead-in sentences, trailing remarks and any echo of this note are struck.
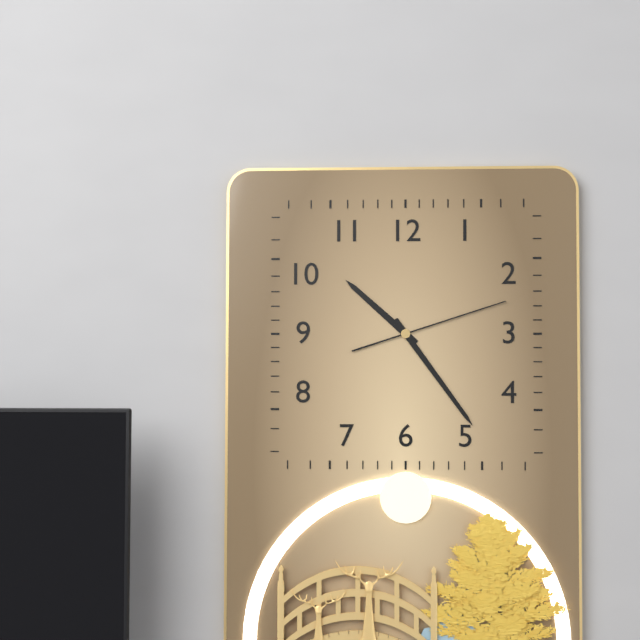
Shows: 10:24:12
